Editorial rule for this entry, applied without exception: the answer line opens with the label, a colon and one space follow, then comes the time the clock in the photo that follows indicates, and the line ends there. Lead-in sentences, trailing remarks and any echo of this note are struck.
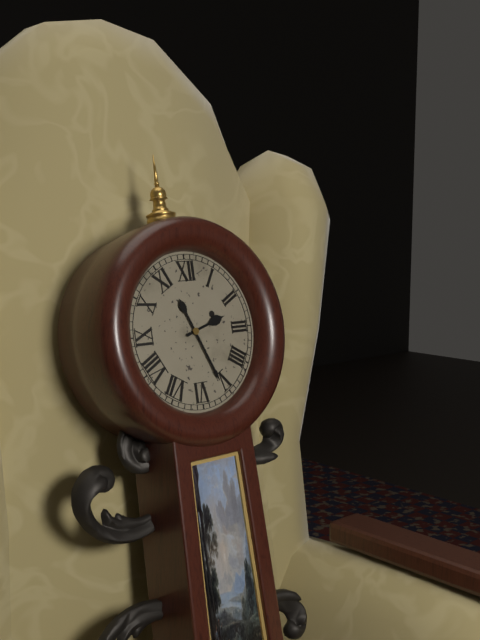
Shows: 2:26
